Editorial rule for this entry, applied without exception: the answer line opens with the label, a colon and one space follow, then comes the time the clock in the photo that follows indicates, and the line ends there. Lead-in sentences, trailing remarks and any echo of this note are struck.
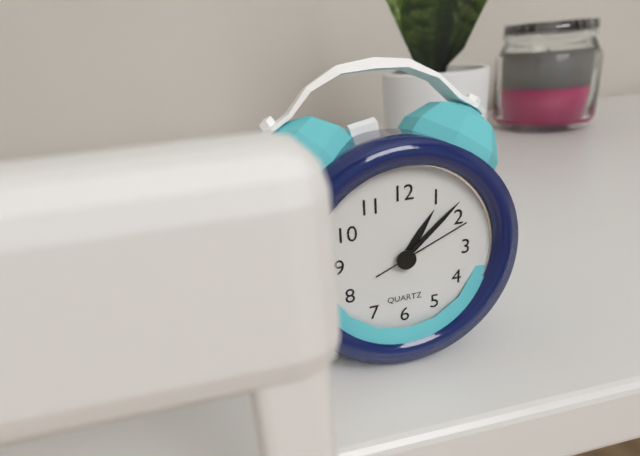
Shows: 1:08:11
